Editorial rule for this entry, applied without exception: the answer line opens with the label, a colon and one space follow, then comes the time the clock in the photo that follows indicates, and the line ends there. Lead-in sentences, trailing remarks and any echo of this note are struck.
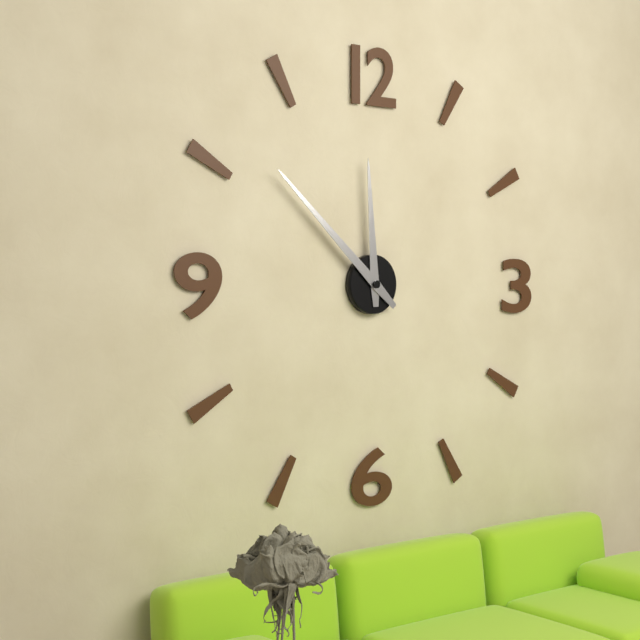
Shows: 11:52
